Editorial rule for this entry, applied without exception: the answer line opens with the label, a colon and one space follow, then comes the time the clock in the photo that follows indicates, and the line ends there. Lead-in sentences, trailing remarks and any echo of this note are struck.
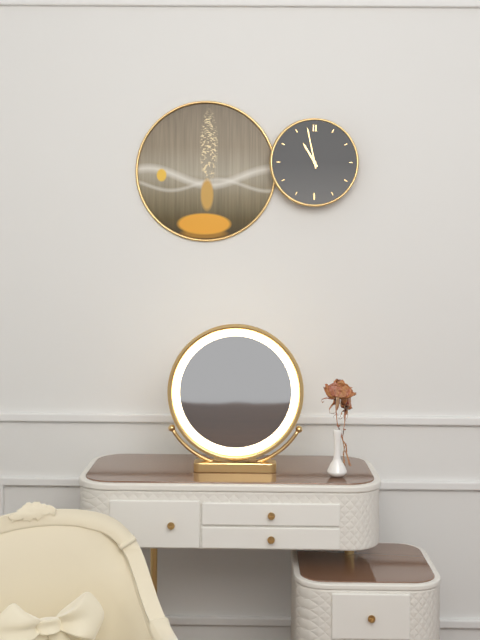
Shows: 10:58
